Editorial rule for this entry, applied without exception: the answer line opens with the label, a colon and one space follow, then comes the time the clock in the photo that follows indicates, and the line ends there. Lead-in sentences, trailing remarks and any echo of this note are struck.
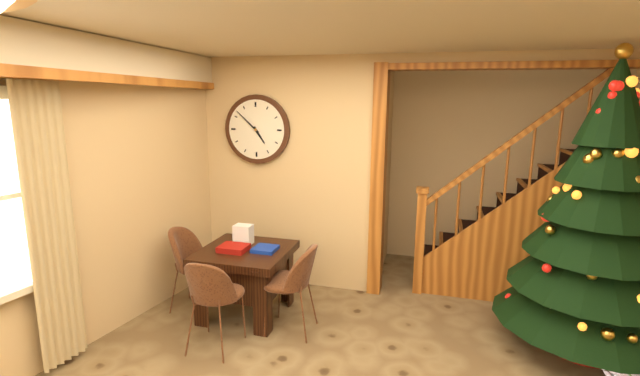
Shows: 4:52
